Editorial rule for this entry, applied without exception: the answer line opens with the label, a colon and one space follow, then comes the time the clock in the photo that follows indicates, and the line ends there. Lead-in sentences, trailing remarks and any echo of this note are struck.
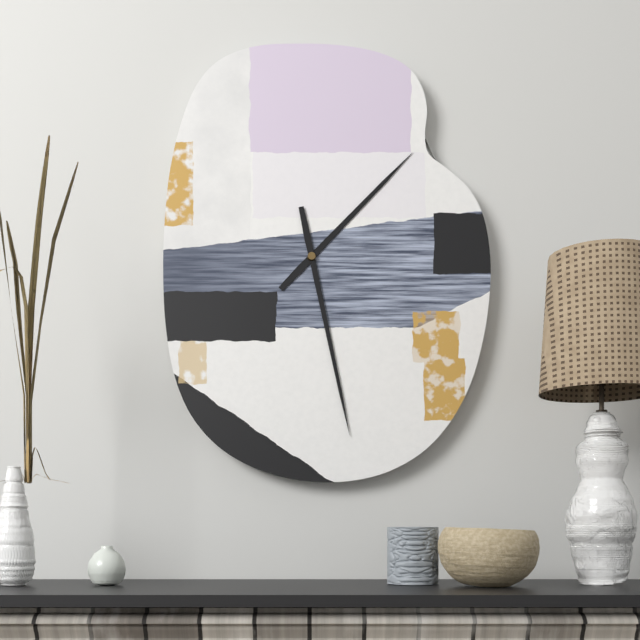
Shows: 1:28
